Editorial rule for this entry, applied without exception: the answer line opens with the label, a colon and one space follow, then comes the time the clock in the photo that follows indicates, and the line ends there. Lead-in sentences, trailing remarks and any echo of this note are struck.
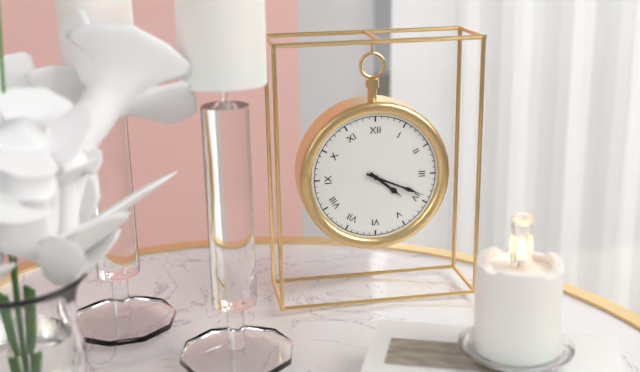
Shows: 4:19
